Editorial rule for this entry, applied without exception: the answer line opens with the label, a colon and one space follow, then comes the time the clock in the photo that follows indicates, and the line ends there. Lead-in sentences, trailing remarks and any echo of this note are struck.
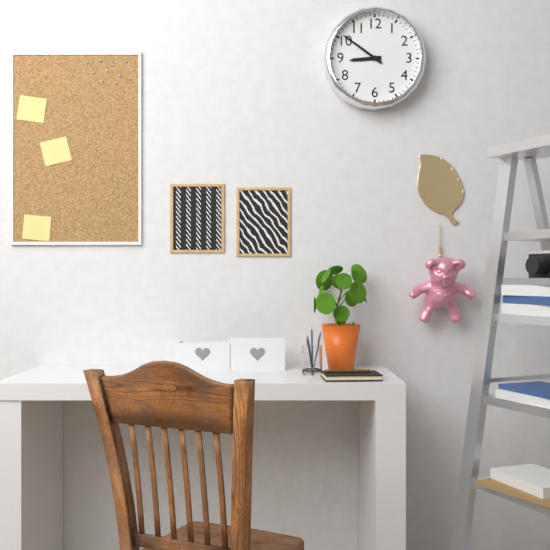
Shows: 8:51
